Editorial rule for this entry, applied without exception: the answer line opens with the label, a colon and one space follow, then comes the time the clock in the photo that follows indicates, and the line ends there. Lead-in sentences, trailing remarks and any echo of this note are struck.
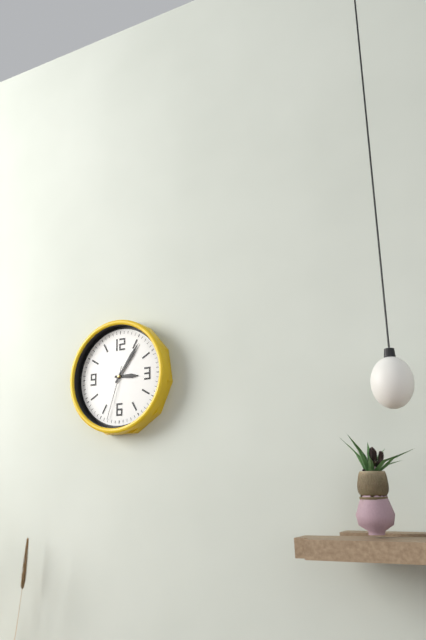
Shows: 3:06:33
